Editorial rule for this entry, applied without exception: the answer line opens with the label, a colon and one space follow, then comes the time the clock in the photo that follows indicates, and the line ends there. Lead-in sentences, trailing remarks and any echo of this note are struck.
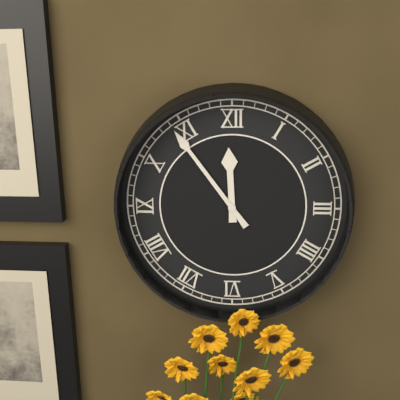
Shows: 11:54
